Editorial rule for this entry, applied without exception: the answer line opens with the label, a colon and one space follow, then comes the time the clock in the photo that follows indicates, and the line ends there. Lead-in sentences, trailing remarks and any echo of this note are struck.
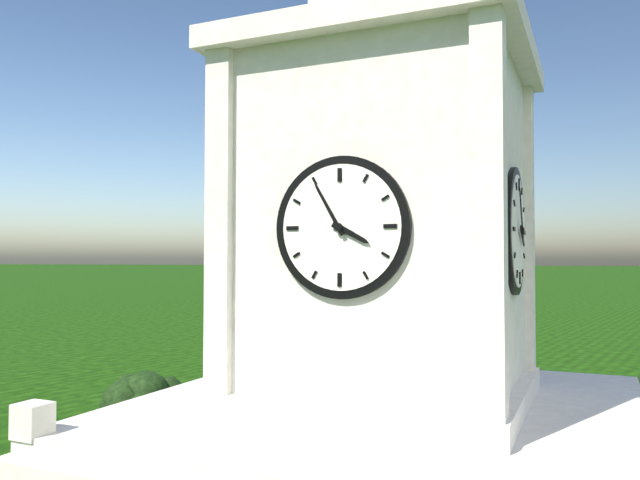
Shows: 3:55
